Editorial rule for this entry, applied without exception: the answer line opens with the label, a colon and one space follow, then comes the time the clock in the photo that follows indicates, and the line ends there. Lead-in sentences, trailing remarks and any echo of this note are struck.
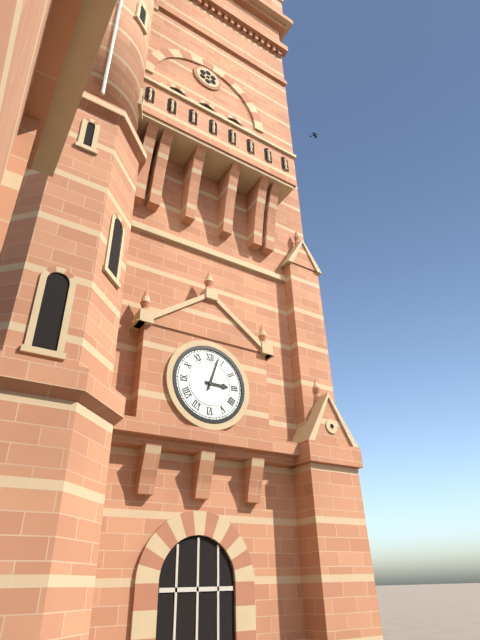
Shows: 3:03
